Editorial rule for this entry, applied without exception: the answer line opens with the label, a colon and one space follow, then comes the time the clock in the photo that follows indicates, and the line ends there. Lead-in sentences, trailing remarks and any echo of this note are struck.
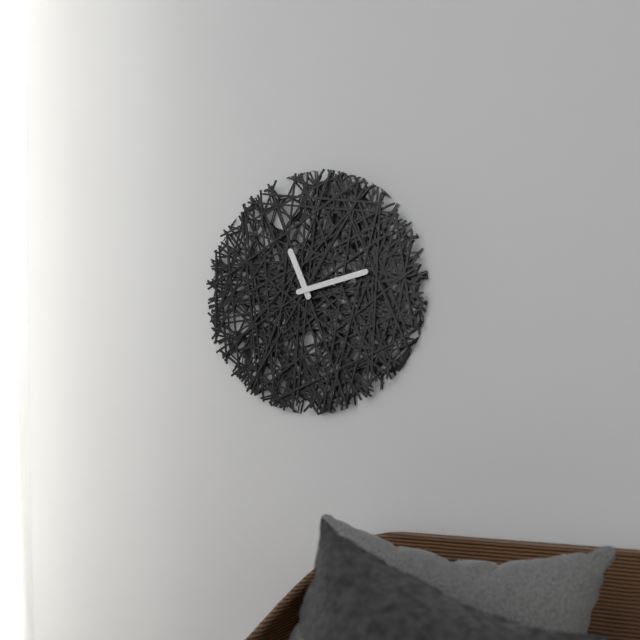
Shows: 11:13
